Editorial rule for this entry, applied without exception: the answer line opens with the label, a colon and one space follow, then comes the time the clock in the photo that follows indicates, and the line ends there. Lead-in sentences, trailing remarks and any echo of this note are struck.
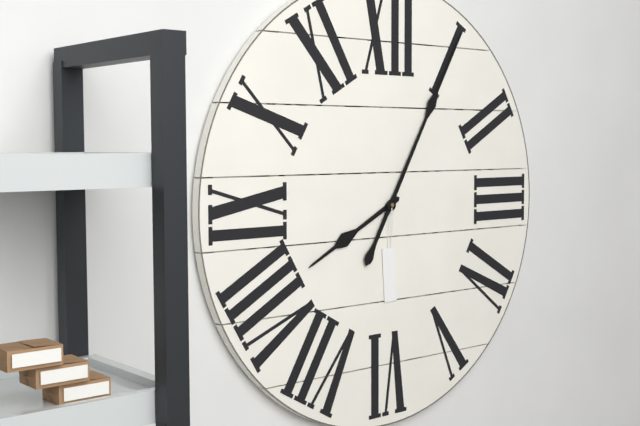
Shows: 8:05
